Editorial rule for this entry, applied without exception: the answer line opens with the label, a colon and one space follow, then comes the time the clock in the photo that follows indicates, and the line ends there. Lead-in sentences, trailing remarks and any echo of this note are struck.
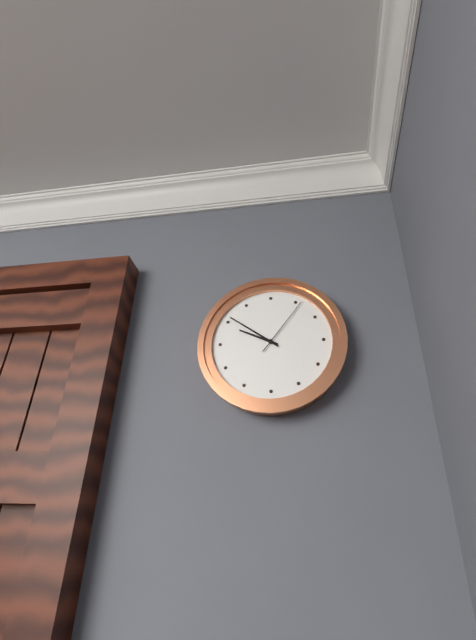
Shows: 9:51:06
